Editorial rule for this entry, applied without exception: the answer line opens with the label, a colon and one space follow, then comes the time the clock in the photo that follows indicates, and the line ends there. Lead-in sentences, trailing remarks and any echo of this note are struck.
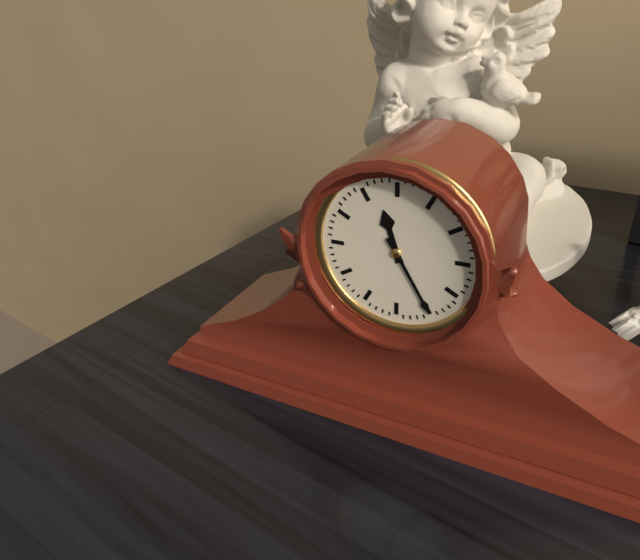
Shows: 11:25
